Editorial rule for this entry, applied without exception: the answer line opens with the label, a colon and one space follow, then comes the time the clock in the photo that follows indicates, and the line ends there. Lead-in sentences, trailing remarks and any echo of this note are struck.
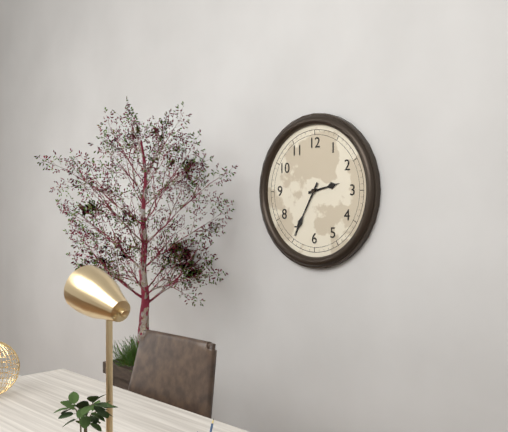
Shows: 2:35
